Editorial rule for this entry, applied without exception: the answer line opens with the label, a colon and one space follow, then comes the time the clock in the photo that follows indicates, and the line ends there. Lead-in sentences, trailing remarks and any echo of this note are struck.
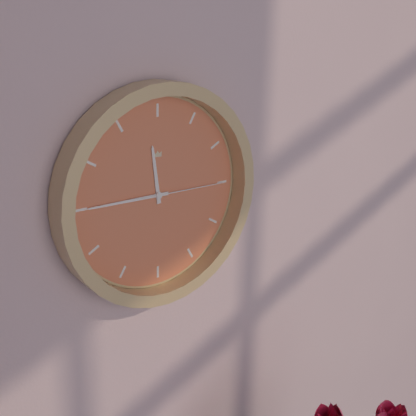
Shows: 11:45:15
